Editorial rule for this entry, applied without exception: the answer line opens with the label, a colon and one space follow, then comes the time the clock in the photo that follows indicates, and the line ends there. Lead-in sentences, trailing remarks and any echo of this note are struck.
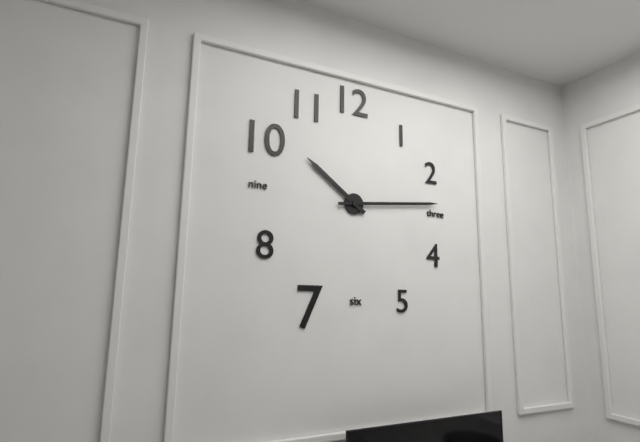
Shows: 10:14
